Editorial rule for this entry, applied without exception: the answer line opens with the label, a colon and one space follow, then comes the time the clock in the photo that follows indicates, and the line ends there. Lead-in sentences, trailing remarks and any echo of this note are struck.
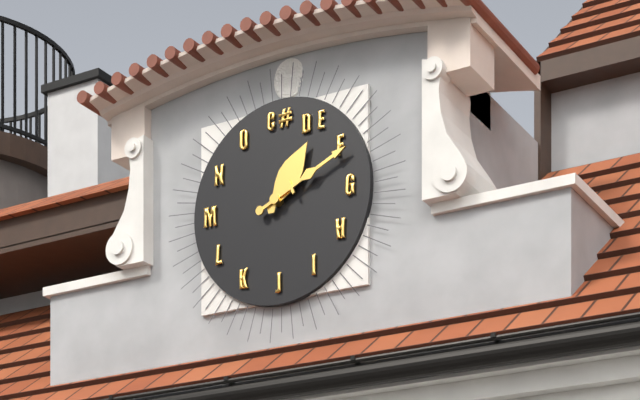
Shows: 1:11
